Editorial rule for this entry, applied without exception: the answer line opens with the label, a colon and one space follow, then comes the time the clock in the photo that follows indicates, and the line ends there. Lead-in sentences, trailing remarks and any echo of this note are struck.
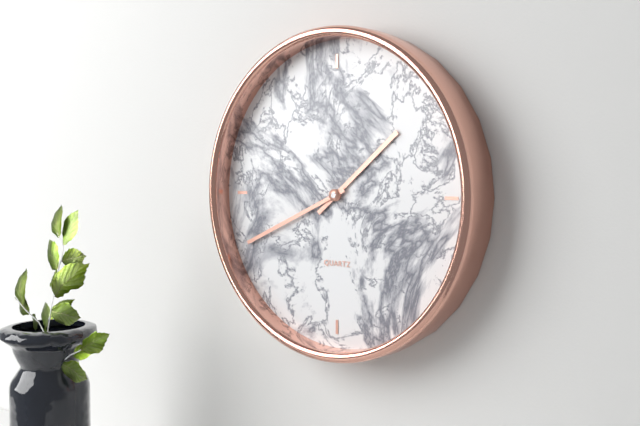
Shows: 1:41
